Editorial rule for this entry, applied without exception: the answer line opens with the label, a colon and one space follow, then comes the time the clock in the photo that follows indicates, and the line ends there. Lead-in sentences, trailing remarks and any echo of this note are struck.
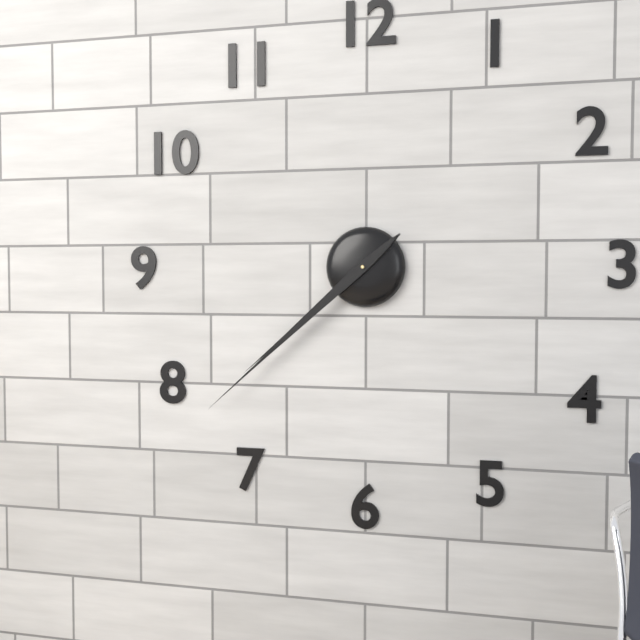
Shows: 7:38
